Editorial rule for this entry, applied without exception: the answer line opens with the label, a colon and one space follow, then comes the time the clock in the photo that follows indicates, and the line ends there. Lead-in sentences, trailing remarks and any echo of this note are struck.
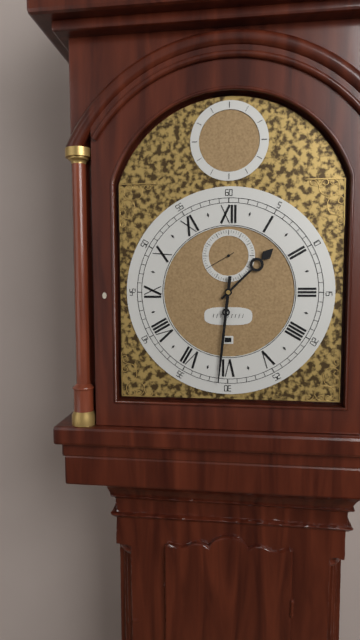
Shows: 1:31
